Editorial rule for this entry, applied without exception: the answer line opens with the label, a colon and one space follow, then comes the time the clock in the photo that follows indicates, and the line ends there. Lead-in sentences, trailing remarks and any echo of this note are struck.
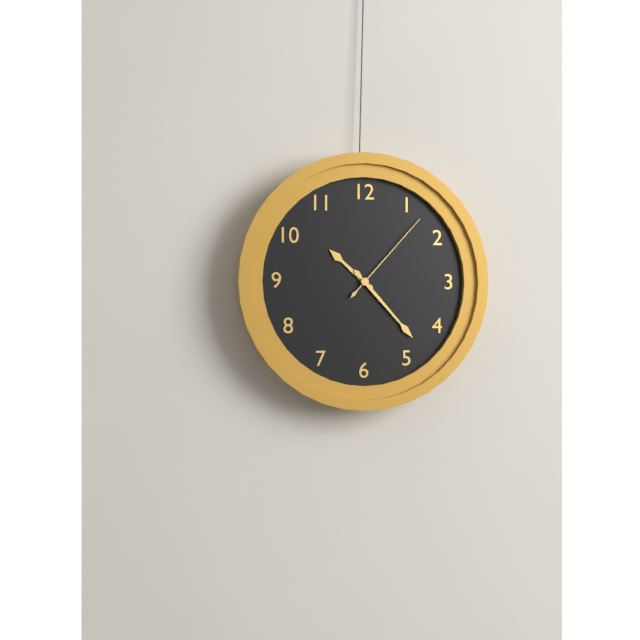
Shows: 10:23:07
